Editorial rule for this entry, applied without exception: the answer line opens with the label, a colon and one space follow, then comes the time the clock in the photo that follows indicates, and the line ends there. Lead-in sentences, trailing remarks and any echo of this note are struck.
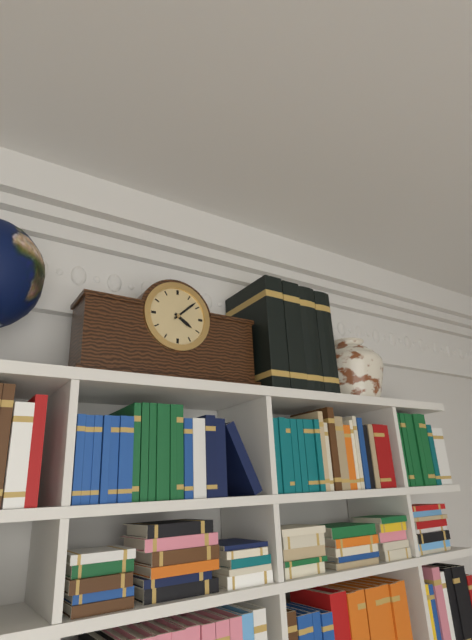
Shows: 4:08
